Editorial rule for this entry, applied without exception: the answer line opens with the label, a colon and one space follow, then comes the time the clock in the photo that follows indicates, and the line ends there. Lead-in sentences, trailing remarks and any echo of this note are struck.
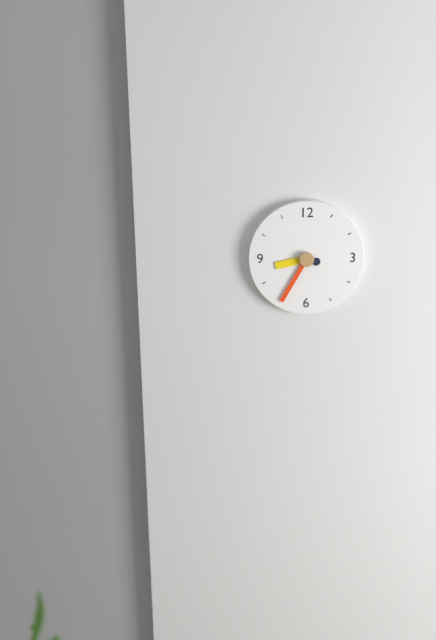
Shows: 8:35
